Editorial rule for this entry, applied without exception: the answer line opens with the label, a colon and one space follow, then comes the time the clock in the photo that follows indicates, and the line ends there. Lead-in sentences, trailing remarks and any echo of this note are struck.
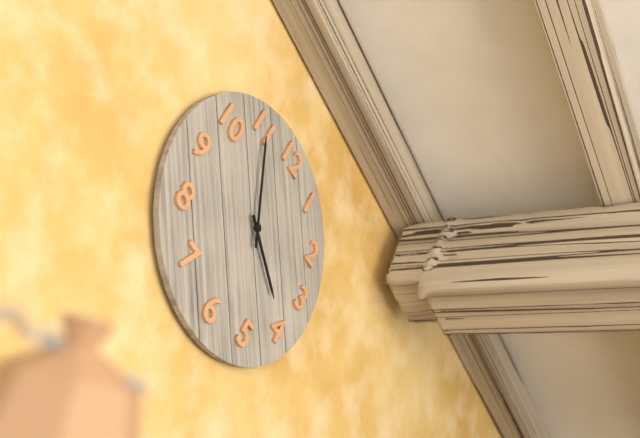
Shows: 3:55
